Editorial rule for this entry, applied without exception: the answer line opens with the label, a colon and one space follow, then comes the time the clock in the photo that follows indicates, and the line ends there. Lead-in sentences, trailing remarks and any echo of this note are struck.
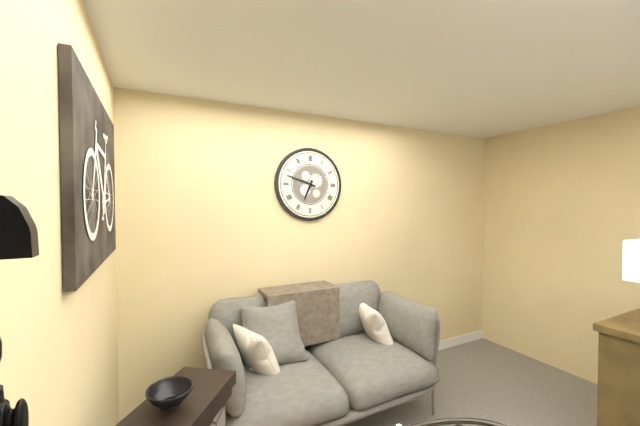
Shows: 6:48
